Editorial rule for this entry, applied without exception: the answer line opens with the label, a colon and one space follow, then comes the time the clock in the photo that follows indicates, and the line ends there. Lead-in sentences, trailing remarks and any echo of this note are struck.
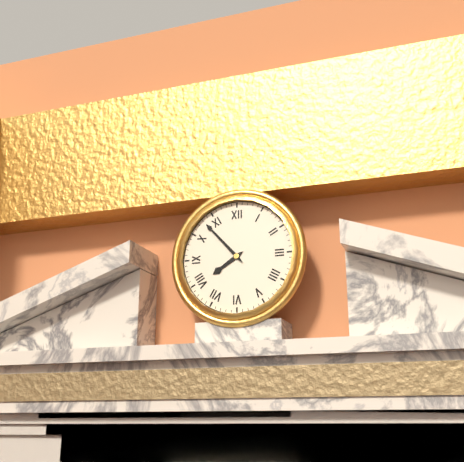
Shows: 7:53
